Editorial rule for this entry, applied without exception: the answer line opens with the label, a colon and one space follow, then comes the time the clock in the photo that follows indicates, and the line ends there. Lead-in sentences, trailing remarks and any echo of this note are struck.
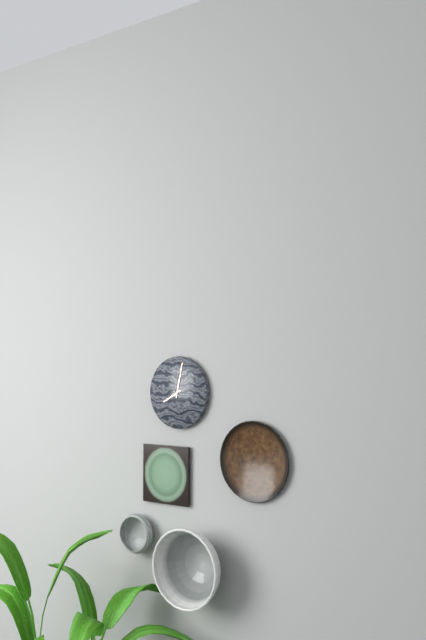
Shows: 8:02
